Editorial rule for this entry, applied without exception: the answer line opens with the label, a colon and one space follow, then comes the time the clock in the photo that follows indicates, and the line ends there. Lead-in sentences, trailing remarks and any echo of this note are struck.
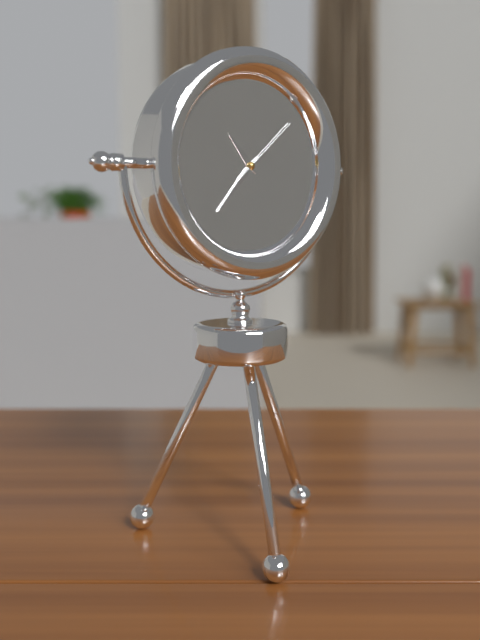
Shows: 10:37:08
